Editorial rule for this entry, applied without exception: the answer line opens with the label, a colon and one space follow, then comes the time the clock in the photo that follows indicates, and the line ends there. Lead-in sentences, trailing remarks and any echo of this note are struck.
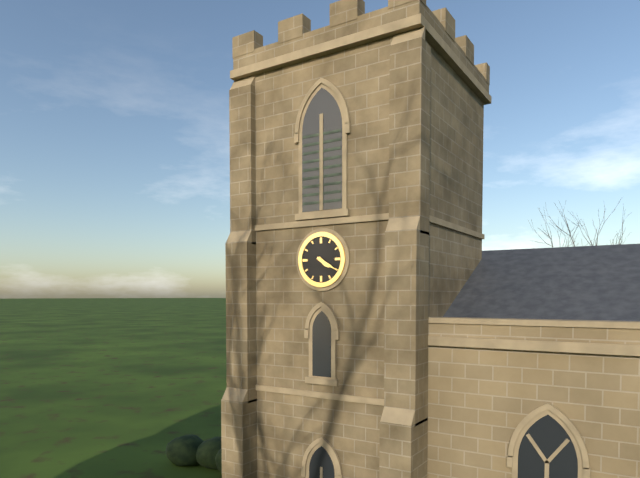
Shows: 4:20
